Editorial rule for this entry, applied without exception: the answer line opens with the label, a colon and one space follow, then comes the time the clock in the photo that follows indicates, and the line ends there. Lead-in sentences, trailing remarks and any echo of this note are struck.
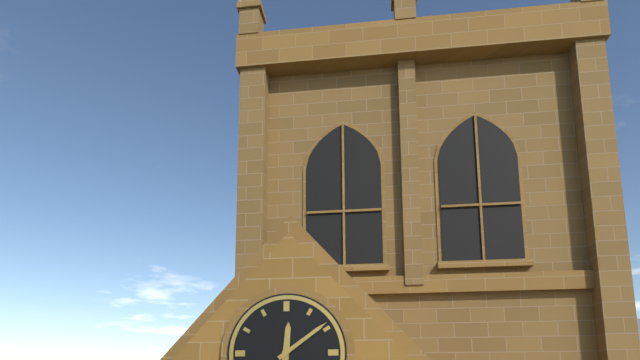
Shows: 12:09
